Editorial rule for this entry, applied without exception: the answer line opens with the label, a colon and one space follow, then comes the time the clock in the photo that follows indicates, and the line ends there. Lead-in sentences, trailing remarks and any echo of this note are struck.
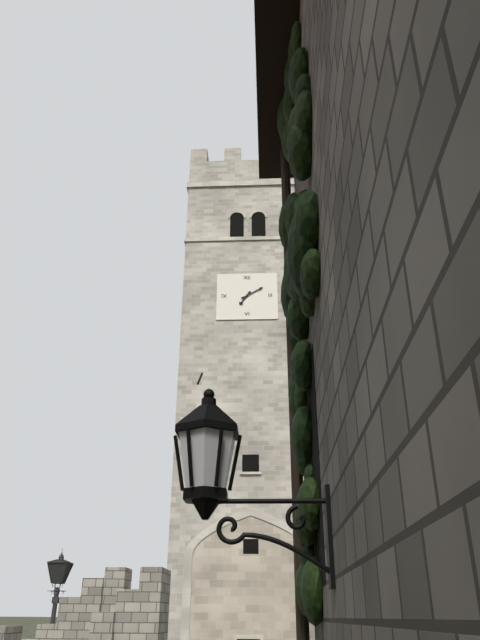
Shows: 7:10
